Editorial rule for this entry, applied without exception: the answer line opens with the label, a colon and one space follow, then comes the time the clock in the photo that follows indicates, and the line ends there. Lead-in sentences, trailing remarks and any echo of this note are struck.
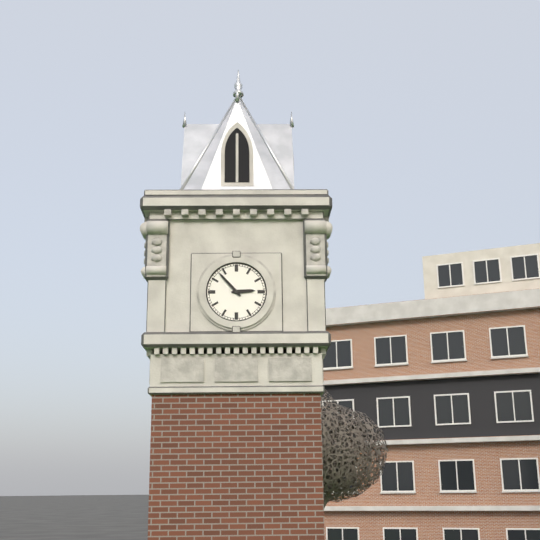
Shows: 2:53
